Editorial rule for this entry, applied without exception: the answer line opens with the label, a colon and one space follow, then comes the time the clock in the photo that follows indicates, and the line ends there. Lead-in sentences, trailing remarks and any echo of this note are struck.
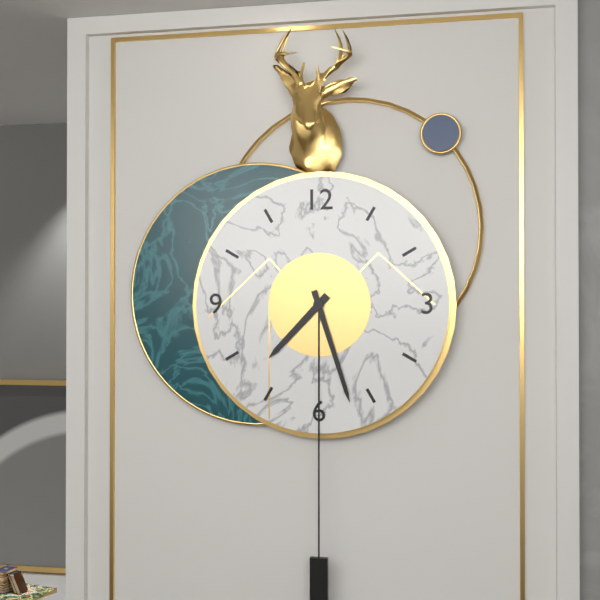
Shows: 7:27
